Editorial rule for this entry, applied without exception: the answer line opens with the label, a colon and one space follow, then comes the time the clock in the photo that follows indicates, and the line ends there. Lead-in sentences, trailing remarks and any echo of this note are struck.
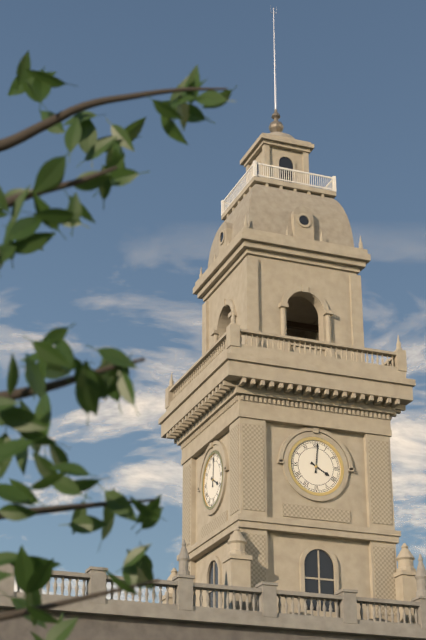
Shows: 4:01
